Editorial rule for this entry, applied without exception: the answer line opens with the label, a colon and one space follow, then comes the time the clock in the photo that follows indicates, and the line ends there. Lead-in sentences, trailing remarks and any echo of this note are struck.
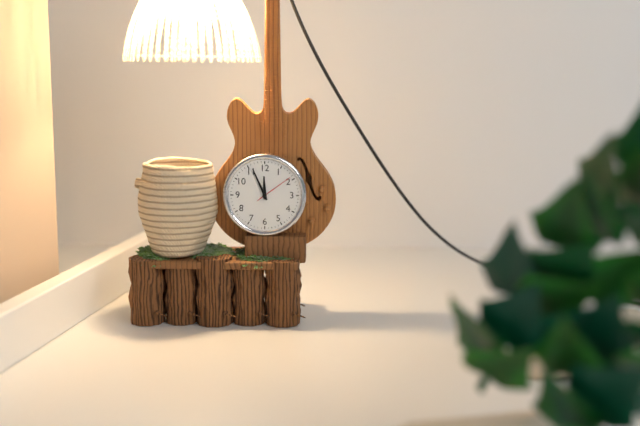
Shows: 11:56
